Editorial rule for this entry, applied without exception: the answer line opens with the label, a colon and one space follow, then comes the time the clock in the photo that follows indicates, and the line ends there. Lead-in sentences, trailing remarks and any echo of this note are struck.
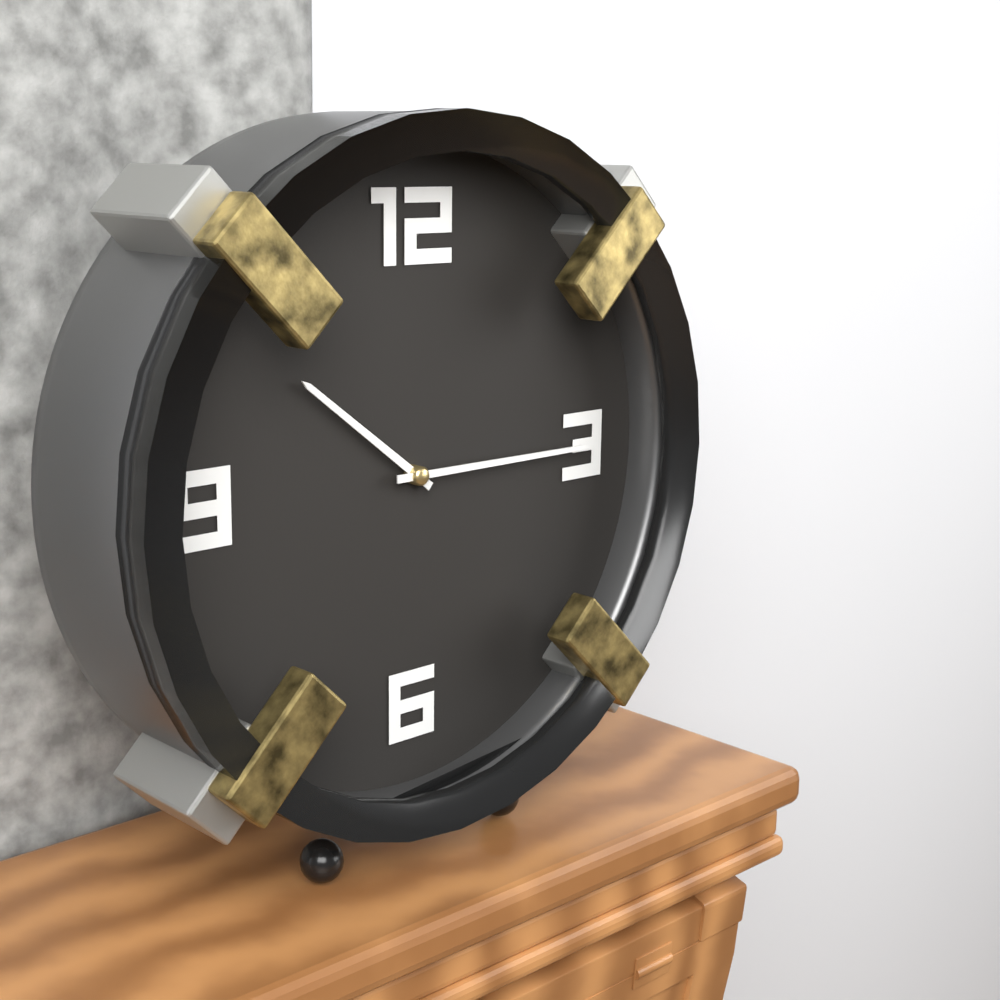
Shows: 10:15
